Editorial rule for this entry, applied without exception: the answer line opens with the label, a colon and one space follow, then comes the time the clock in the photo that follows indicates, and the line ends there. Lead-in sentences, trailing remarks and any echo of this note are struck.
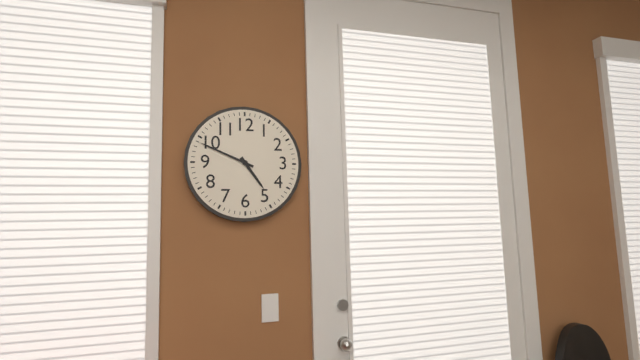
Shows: 4:49
